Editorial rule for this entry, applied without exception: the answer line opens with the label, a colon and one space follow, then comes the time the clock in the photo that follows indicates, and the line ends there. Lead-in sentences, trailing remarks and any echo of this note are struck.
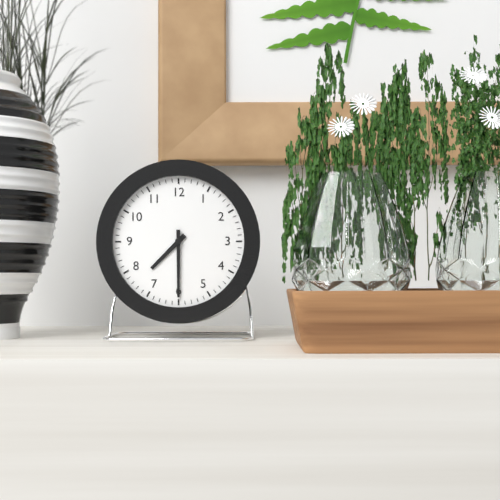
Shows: 7:30
